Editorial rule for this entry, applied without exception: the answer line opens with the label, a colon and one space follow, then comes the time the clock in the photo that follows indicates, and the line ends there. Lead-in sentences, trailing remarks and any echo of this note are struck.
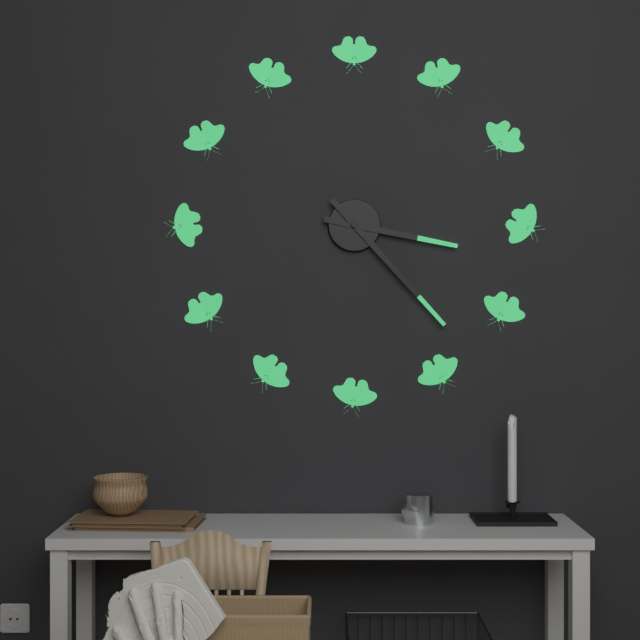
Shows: 3:23
